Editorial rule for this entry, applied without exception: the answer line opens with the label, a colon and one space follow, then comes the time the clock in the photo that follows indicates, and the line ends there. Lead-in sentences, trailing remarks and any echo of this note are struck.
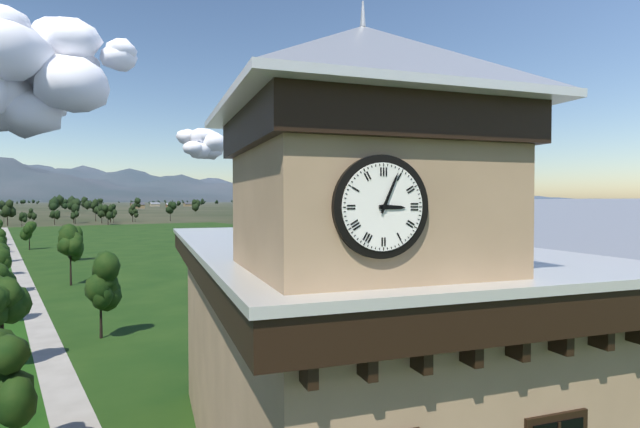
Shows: 3:04
